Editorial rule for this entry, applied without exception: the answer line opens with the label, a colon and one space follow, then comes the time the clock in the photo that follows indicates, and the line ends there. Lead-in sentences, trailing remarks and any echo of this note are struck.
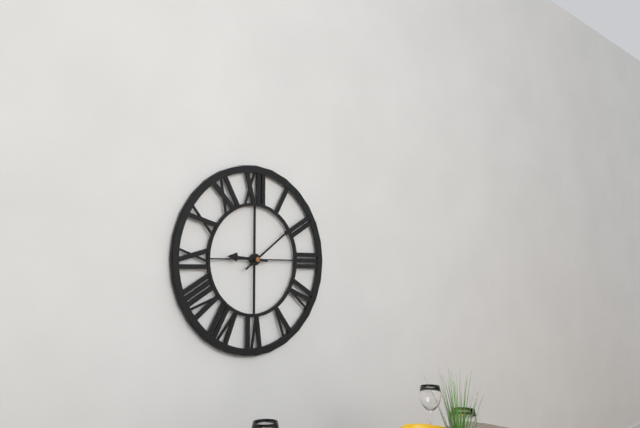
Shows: 9:09
